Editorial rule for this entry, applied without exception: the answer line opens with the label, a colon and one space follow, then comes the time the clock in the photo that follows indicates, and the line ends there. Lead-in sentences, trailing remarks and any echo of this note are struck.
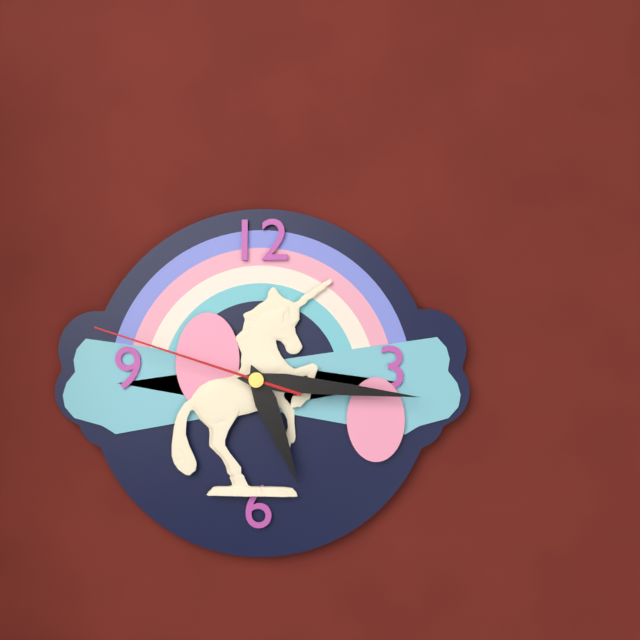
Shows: 5:16:48
